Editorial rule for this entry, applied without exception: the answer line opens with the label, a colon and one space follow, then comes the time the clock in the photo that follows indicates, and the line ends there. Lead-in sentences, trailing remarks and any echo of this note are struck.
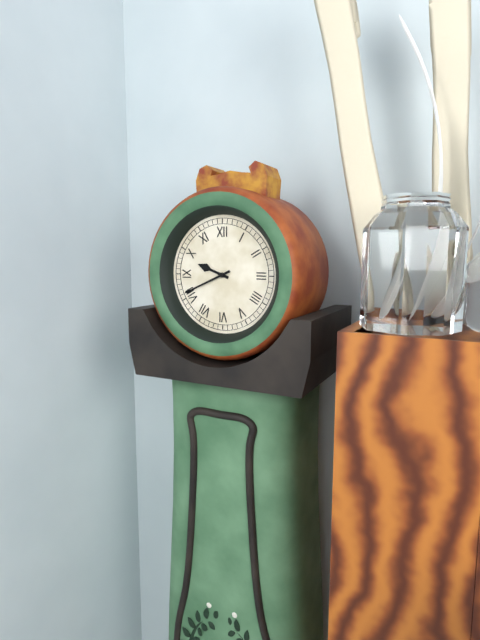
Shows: 9:41
